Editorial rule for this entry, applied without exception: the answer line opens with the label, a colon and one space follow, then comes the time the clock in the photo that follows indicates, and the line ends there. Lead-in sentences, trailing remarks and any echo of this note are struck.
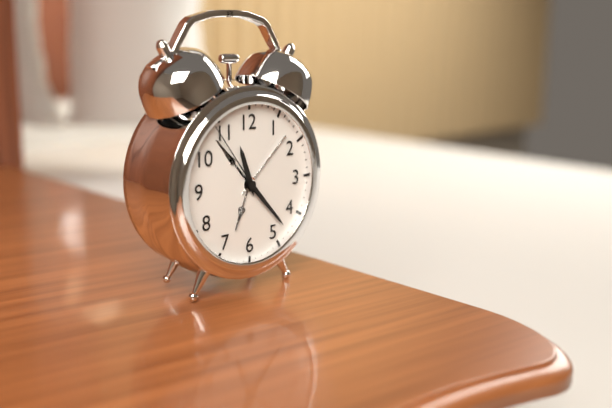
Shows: 11:23:54
